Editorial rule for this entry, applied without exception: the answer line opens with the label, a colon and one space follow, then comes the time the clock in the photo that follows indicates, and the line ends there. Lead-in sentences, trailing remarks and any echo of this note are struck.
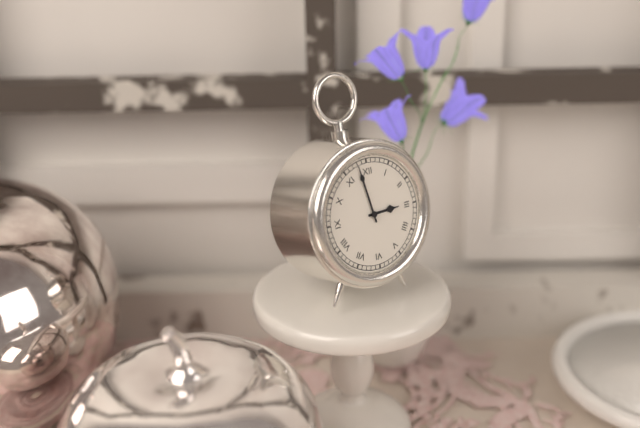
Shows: 2:58
